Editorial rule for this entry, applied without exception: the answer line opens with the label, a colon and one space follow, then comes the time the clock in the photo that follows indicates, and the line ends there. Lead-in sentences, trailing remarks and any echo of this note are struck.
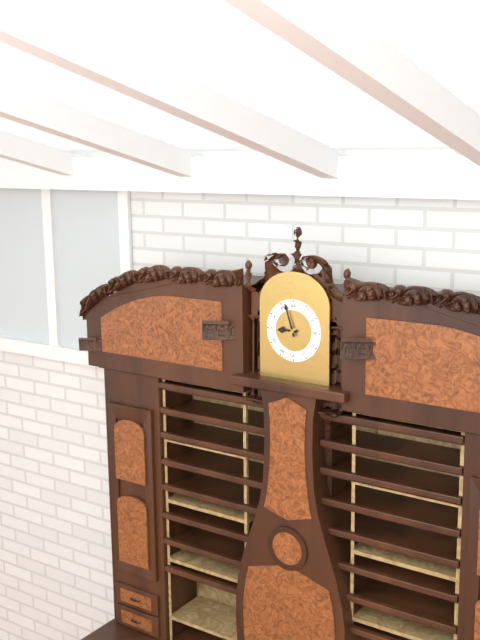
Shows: 8:57
